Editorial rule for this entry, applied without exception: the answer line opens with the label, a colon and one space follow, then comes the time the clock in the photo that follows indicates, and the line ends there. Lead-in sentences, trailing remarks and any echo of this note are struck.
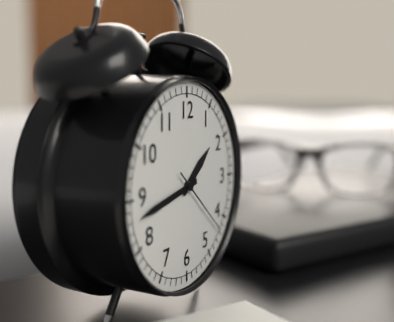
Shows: 1:43:22
